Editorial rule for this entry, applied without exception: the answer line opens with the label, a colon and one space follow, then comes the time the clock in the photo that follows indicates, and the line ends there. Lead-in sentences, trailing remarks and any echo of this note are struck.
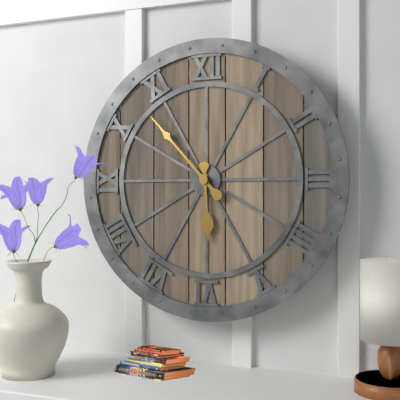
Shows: 5:53
